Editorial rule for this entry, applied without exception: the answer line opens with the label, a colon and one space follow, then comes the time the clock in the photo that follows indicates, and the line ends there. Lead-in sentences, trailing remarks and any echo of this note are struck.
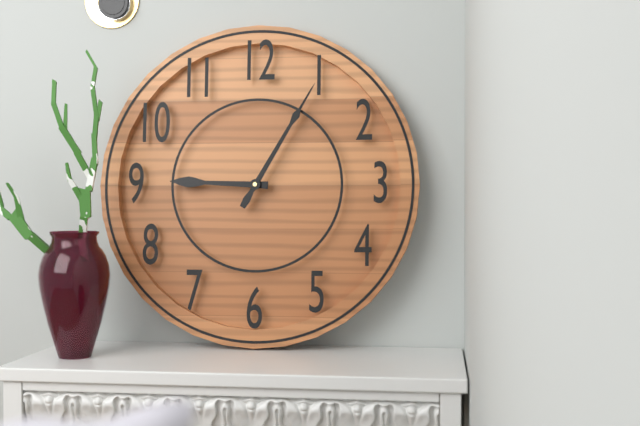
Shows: 9:05
